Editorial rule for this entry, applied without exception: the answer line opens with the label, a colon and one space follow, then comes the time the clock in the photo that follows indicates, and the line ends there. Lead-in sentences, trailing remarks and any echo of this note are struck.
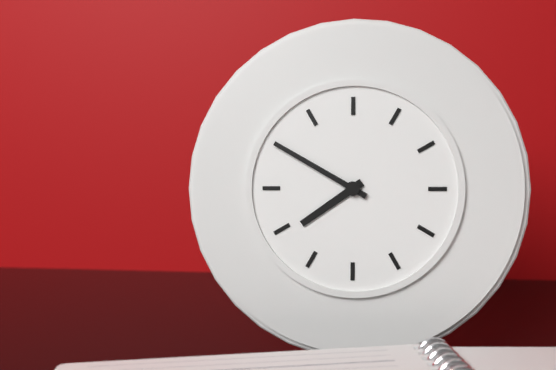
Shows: 7:50
